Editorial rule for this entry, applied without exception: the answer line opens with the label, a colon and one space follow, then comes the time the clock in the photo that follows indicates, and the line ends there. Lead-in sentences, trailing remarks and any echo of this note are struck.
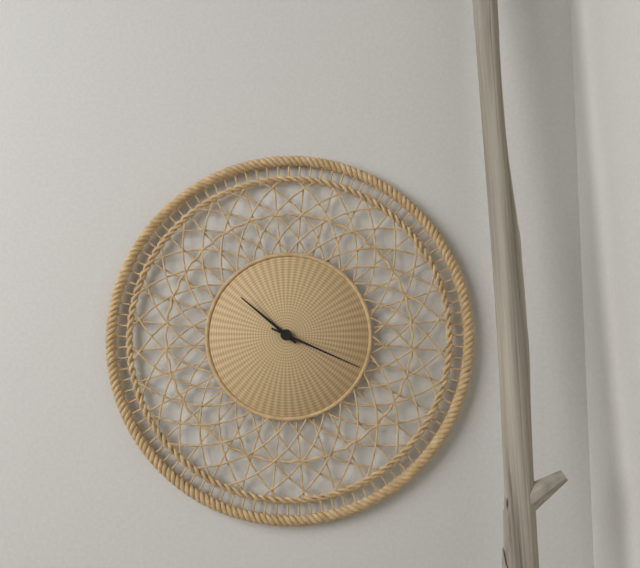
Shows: 10:19
